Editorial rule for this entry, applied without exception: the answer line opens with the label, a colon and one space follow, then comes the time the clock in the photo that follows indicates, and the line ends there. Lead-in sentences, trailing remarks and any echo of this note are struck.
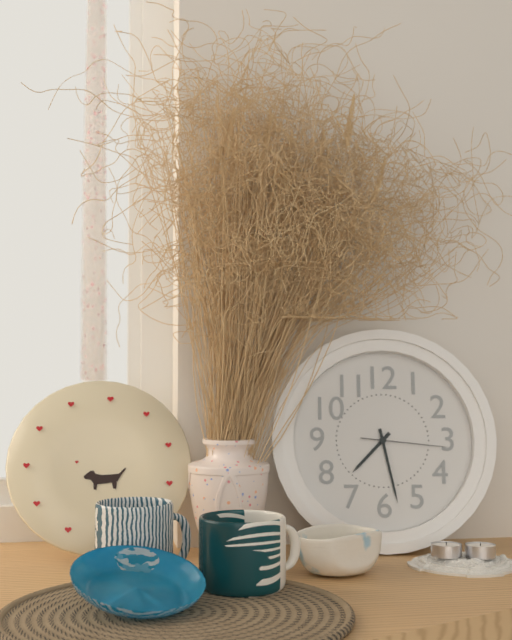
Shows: 7:28:16
